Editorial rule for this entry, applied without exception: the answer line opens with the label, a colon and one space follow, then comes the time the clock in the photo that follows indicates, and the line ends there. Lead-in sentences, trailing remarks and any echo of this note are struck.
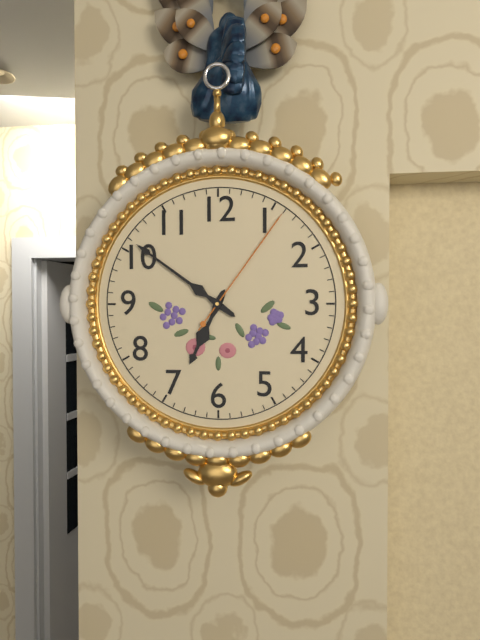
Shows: 6:51:06
